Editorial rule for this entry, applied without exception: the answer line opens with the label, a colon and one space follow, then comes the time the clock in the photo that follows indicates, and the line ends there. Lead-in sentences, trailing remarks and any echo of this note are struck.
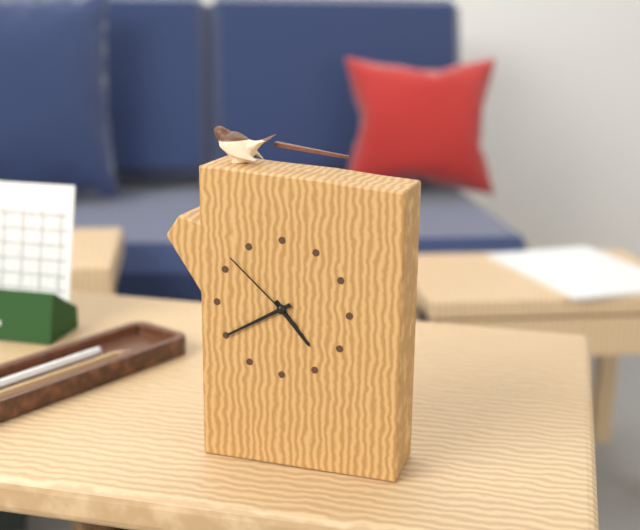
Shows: 4:40:52
